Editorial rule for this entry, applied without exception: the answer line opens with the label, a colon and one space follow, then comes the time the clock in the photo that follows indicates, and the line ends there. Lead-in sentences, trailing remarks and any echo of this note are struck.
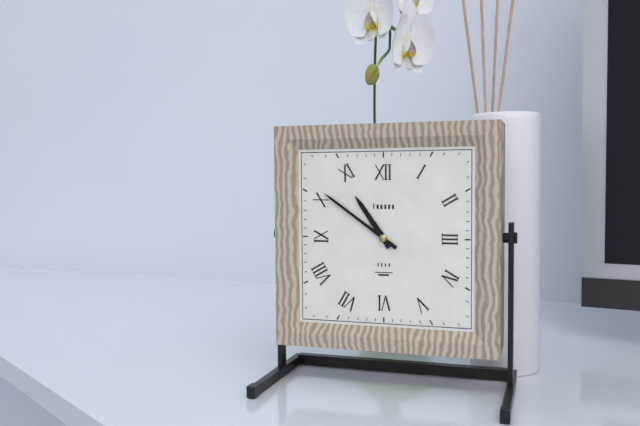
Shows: 10:51
